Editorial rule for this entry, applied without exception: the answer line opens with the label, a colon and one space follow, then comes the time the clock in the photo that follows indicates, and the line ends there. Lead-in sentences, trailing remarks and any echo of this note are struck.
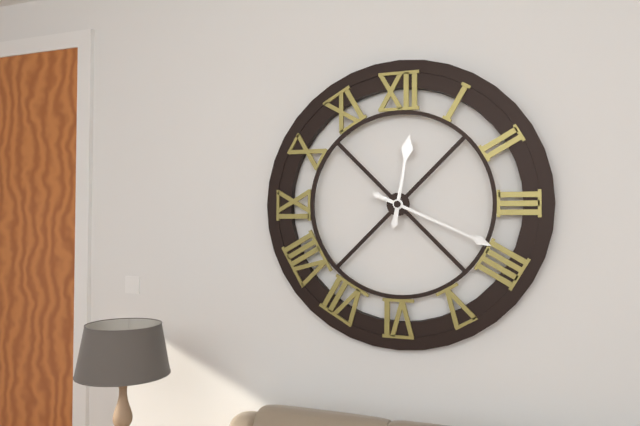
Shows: 12:19
